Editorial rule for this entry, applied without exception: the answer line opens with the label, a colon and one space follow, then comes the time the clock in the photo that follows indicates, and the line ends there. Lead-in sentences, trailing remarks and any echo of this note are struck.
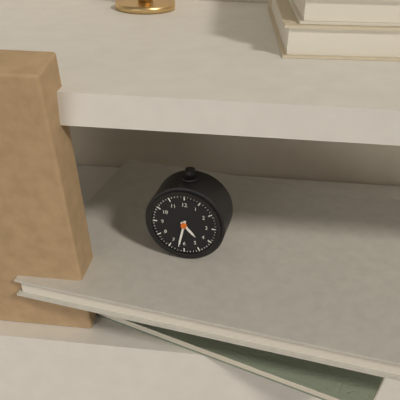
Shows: 4:32
